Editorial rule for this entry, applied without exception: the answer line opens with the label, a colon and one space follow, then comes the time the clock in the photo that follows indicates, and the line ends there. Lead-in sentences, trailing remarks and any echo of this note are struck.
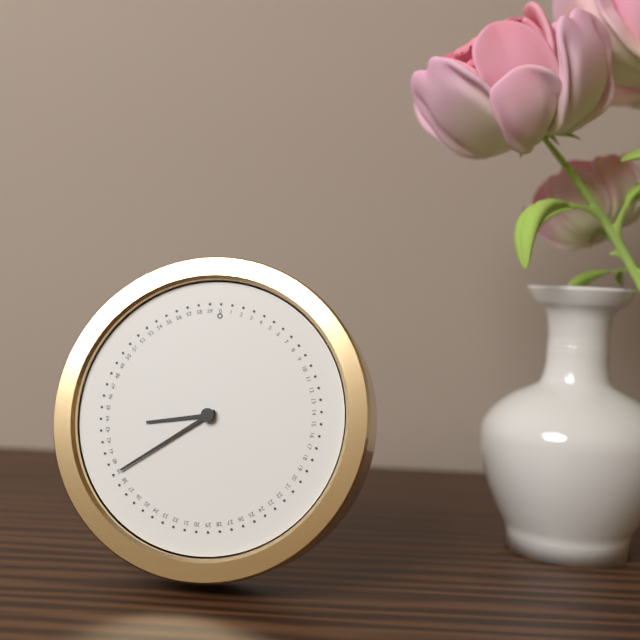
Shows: 8:39
